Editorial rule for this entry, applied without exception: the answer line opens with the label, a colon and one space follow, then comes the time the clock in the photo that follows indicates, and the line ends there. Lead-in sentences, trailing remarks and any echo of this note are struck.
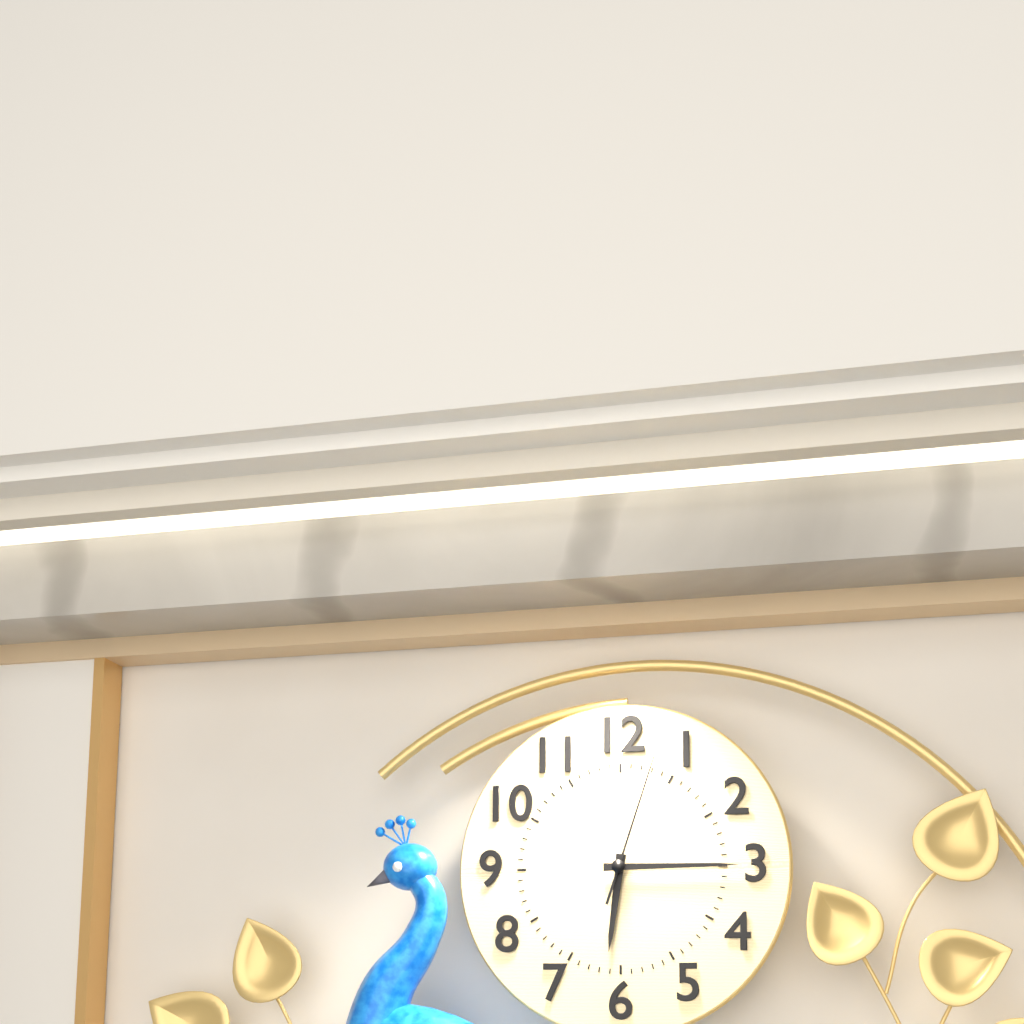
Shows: 6:15:03
